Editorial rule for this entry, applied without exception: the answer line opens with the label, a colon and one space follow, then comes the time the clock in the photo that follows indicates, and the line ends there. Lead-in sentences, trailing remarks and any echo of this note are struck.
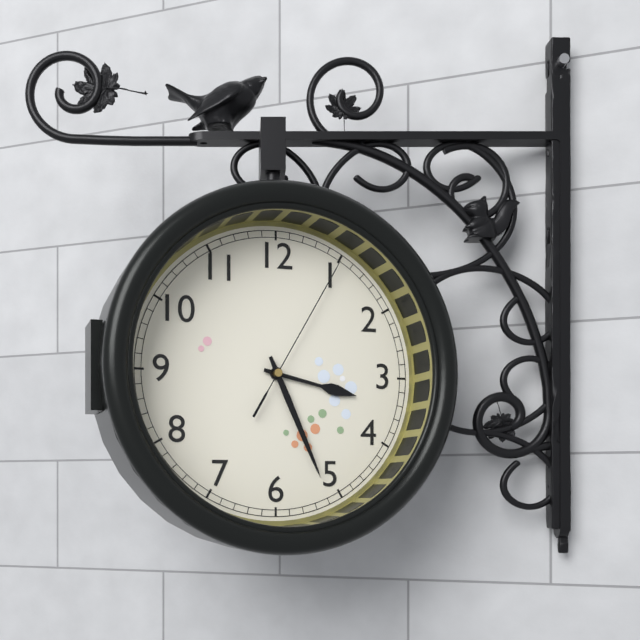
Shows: 3:26:05
